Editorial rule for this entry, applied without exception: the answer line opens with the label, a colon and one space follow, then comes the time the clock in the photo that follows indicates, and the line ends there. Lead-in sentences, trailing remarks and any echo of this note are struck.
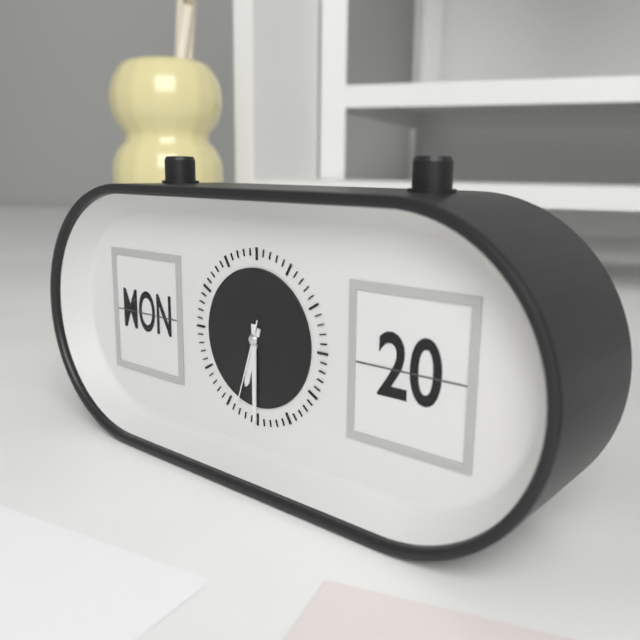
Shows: 6:30:33
